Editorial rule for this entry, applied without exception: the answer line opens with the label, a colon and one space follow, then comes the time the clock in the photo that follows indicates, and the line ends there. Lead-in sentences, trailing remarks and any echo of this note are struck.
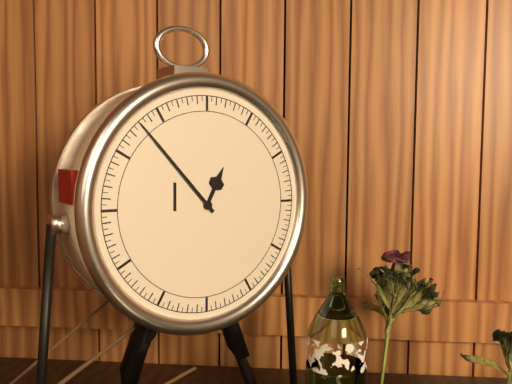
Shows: 12:53
